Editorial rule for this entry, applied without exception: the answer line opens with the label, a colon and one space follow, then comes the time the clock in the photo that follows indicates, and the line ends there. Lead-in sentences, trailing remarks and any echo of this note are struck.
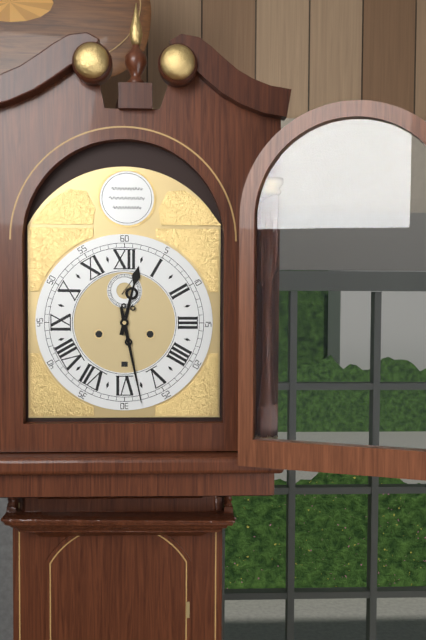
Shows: 12:28
